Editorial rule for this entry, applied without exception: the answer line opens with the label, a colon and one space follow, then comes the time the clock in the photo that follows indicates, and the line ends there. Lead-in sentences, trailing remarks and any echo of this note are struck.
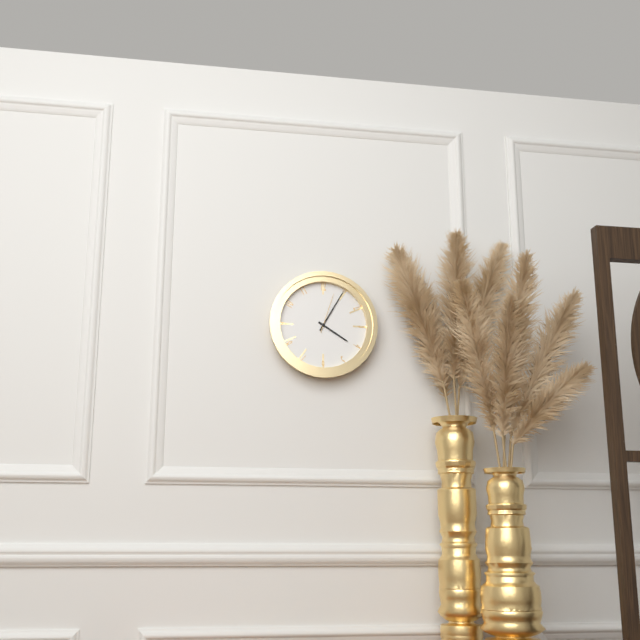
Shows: 4:05
